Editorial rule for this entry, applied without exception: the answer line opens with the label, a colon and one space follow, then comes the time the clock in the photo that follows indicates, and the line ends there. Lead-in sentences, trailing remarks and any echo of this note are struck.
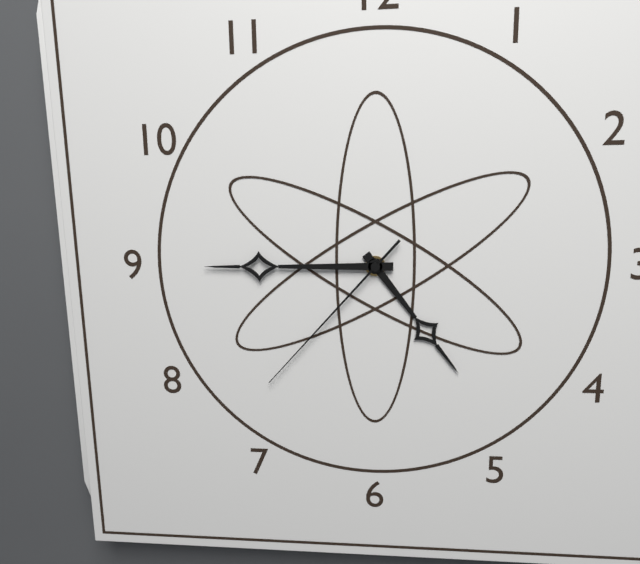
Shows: 4:45:37
